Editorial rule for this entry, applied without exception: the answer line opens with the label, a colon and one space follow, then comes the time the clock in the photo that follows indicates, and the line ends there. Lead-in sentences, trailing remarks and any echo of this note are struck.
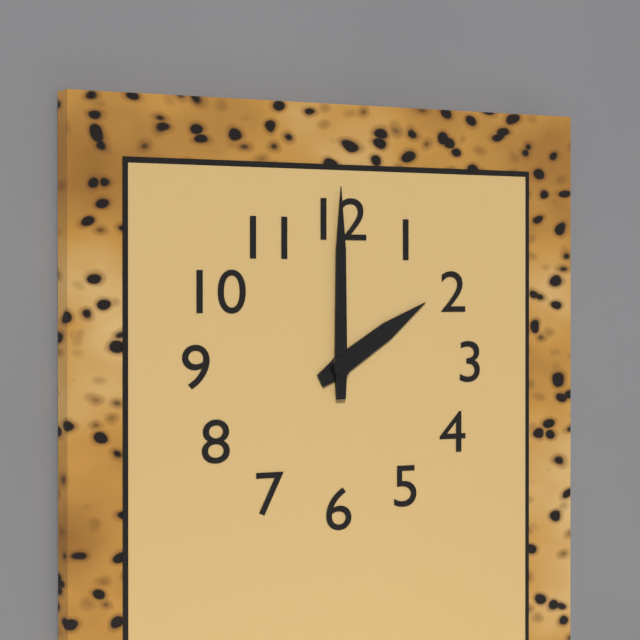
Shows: 2:00
